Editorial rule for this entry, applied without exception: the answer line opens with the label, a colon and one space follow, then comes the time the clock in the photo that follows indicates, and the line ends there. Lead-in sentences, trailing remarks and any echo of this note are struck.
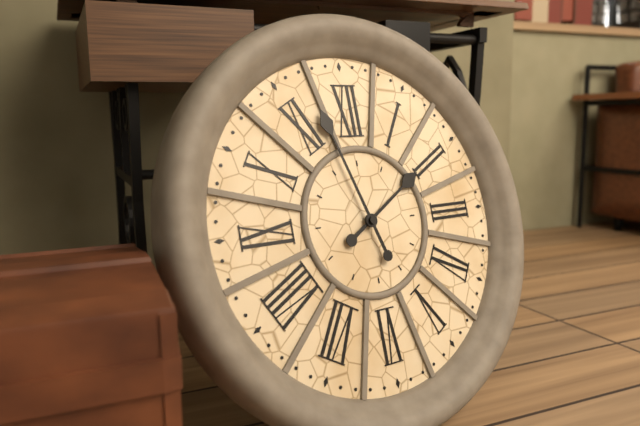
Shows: 1:57
